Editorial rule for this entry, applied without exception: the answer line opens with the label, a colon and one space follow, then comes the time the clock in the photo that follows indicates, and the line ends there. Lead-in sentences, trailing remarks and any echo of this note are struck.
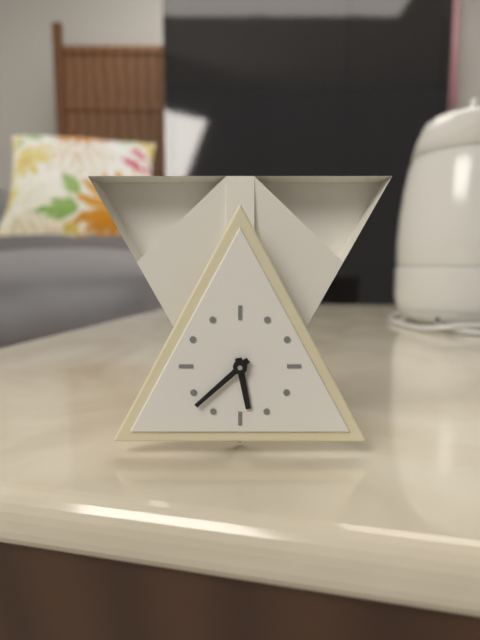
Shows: 5:38
